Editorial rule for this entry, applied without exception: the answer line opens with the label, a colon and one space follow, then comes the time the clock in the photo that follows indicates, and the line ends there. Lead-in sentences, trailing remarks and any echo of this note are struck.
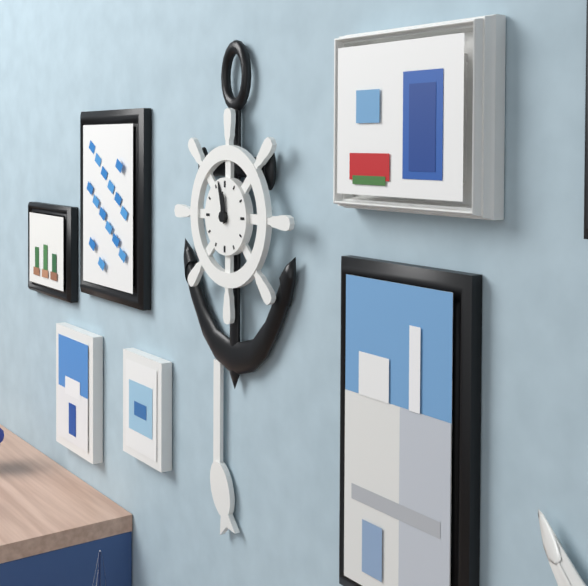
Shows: 11:57
